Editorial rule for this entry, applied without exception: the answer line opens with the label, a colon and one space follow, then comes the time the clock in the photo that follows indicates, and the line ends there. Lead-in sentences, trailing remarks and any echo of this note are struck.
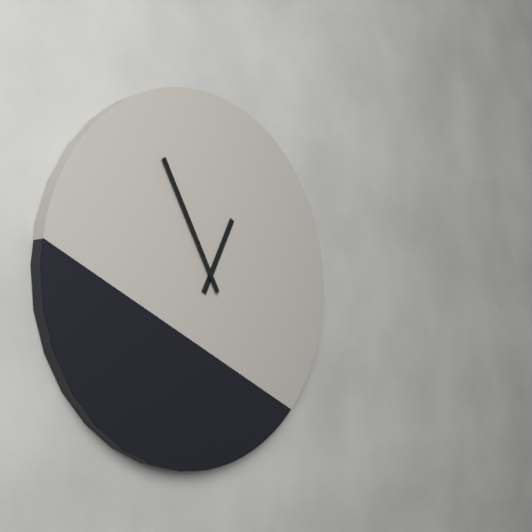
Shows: 12:55
